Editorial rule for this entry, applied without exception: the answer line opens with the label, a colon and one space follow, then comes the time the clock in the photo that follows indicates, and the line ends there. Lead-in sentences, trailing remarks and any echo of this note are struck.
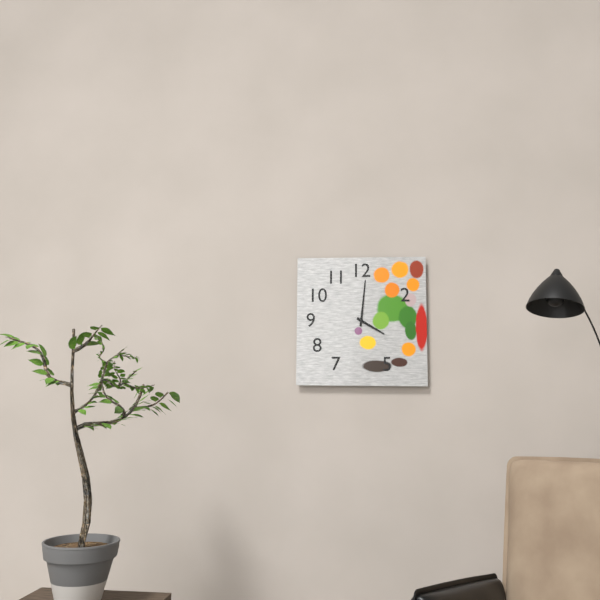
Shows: 4:01
